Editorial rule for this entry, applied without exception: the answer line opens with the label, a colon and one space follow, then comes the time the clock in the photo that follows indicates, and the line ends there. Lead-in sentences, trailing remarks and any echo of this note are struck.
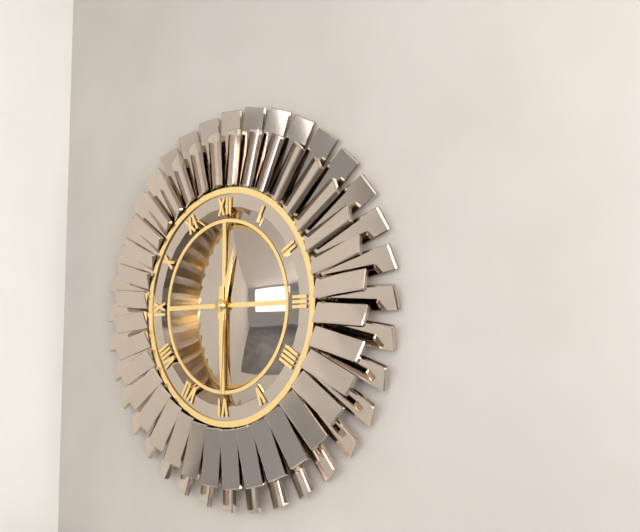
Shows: 12:30
